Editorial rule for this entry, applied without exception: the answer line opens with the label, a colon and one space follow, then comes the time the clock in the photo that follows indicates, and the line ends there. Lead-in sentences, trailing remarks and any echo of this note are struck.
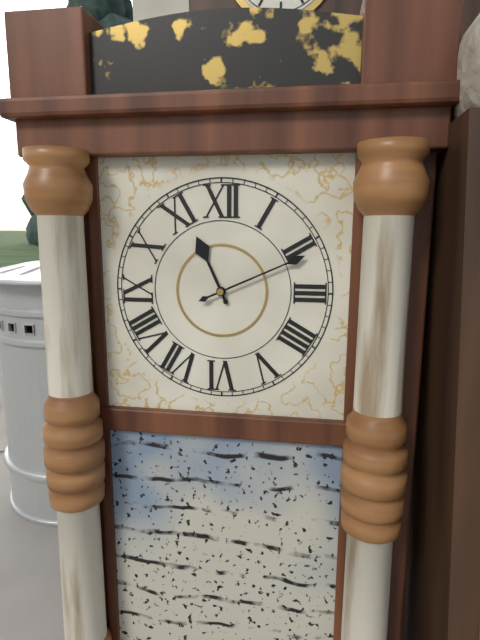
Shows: 11:11
